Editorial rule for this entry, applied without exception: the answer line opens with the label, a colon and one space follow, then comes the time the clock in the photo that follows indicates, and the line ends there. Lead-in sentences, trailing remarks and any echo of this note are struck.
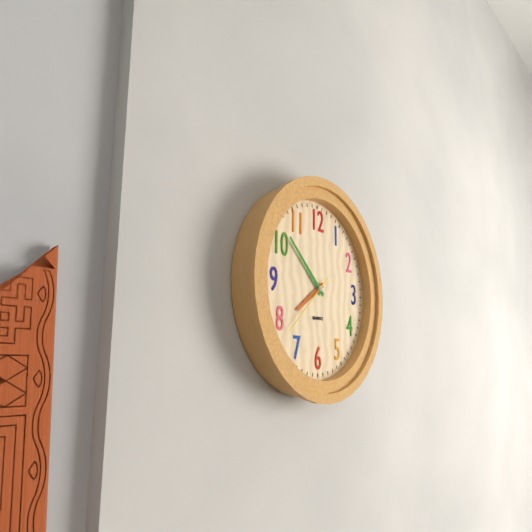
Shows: 7:52:38
